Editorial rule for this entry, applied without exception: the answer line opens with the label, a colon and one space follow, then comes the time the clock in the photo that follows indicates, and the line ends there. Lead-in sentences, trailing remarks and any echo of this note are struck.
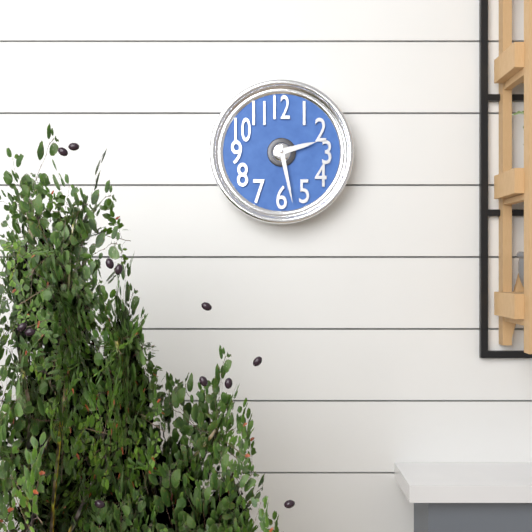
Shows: 2:28
